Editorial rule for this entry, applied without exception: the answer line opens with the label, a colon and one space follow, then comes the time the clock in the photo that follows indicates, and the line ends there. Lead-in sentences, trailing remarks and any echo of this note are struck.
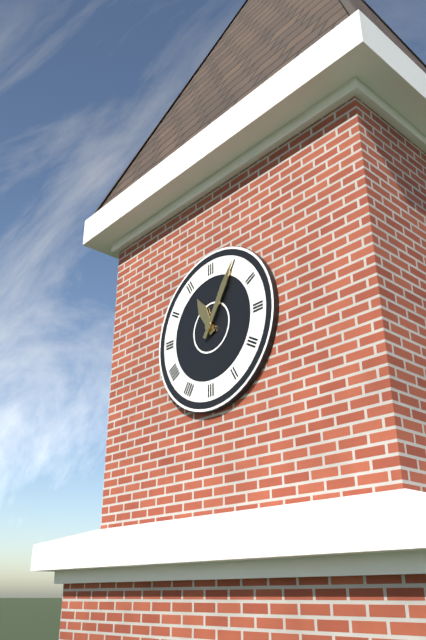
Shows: 11:05
